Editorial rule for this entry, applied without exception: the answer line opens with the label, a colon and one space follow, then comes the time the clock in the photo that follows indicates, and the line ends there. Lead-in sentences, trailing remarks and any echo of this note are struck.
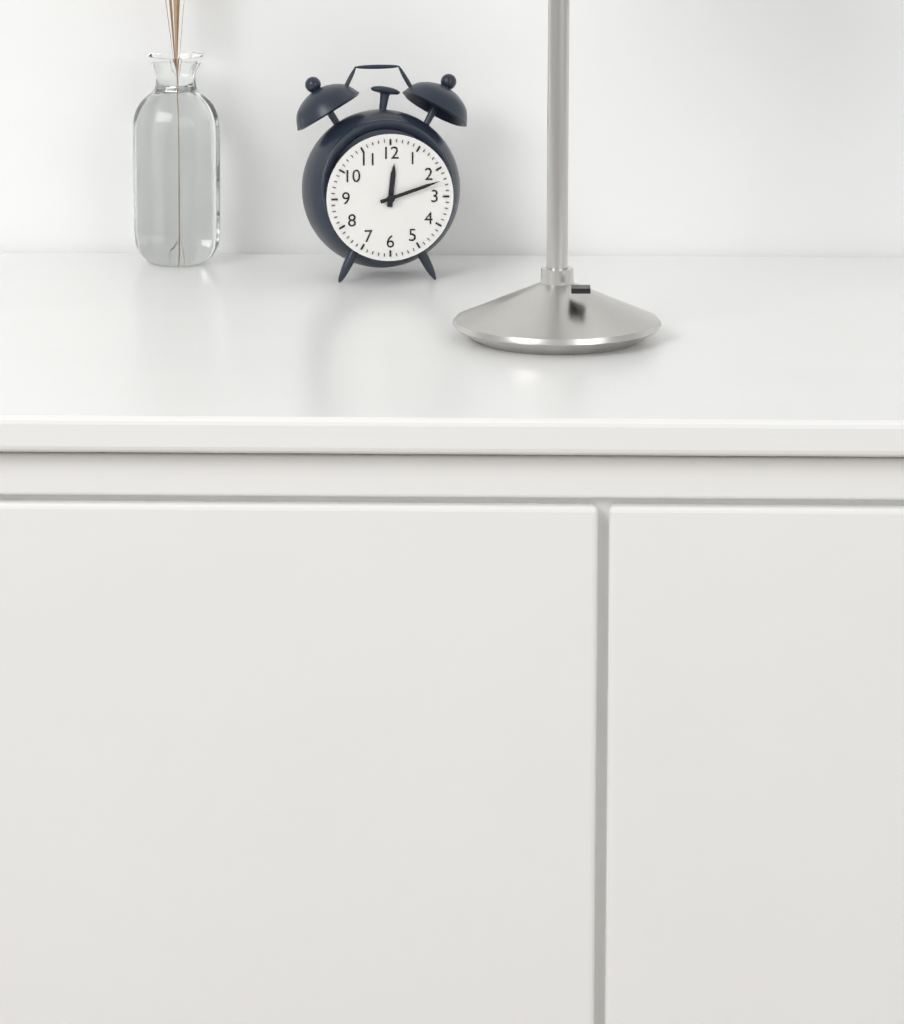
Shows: 12:12
